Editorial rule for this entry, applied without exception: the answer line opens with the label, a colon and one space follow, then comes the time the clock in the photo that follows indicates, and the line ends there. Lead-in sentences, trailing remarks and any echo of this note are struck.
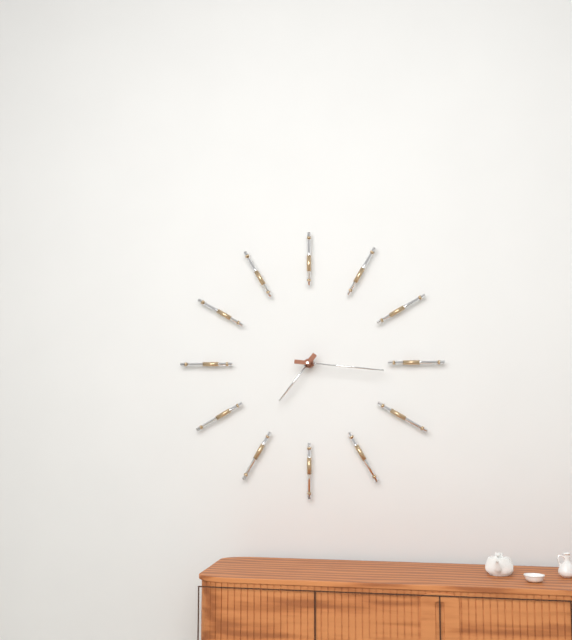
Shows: 7:16
